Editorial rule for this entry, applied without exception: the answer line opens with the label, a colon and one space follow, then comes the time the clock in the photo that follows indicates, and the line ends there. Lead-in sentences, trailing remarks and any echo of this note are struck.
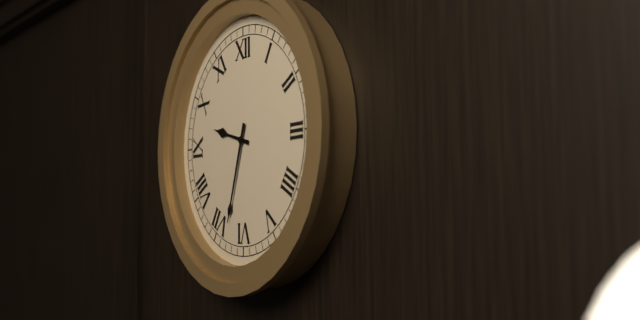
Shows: 9:33
